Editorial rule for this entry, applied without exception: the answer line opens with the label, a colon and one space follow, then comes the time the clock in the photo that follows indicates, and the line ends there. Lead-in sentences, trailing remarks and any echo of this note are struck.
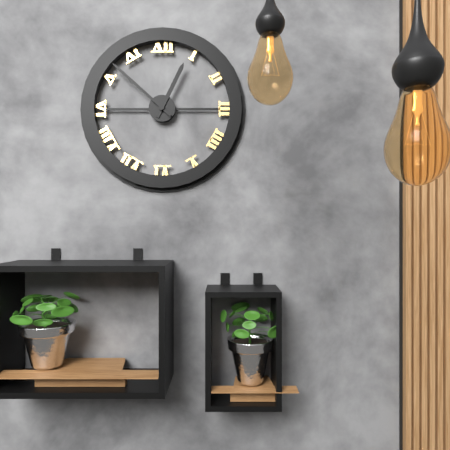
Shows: 12:52
